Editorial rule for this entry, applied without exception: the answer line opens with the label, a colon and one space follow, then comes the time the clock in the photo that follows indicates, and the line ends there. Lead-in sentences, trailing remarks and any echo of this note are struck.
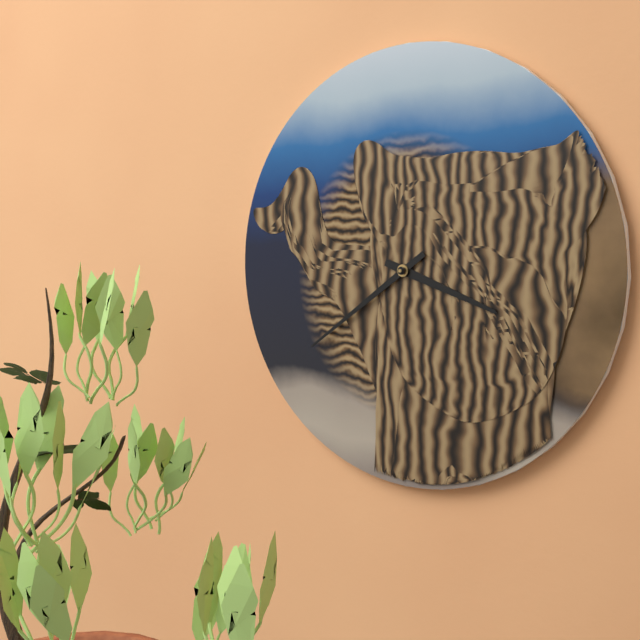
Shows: 3:39
